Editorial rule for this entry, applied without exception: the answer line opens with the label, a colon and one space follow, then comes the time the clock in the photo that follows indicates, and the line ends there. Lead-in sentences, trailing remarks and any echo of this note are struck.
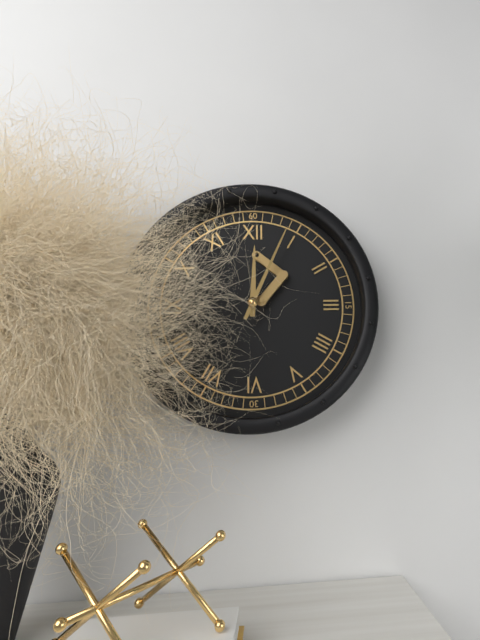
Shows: 12:04
